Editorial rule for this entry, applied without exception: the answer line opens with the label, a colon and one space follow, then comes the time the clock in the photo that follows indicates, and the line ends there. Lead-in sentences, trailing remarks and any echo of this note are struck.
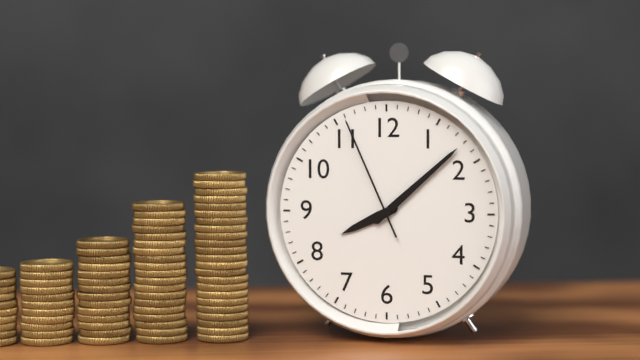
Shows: 8:08:56
